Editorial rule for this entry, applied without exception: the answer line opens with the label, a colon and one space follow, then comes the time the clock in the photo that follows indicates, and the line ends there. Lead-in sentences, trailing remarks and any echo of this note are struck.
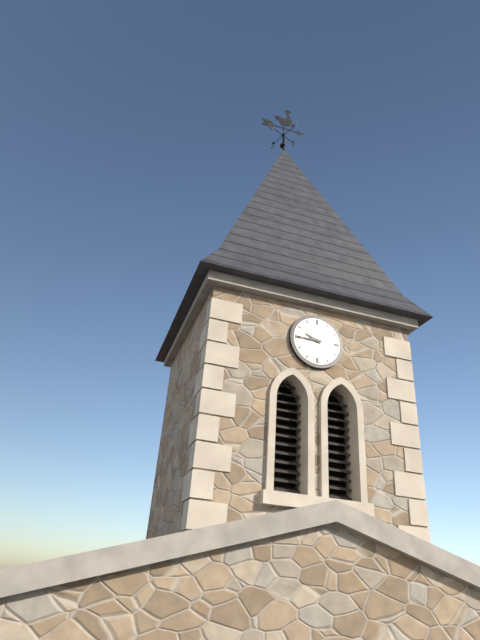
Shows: 9:45
